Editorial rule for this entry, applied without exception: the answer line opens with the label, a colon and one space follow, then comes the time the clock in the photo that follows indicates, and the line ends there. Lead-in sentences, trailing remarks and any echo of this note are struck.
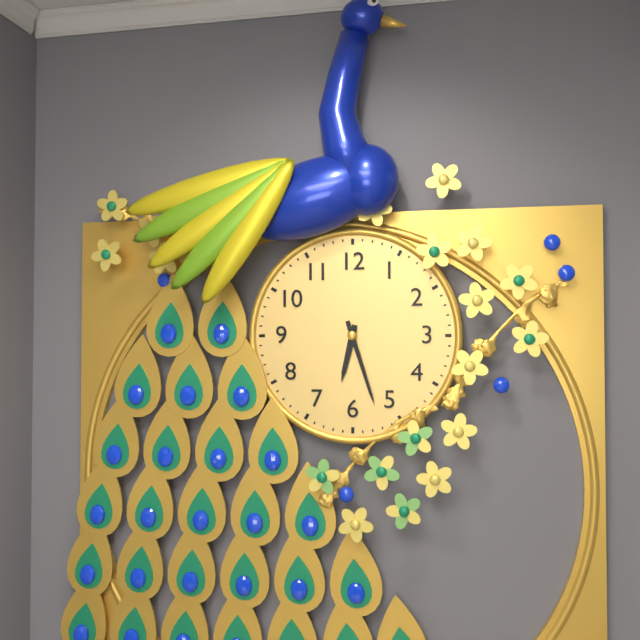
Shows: 6:27
